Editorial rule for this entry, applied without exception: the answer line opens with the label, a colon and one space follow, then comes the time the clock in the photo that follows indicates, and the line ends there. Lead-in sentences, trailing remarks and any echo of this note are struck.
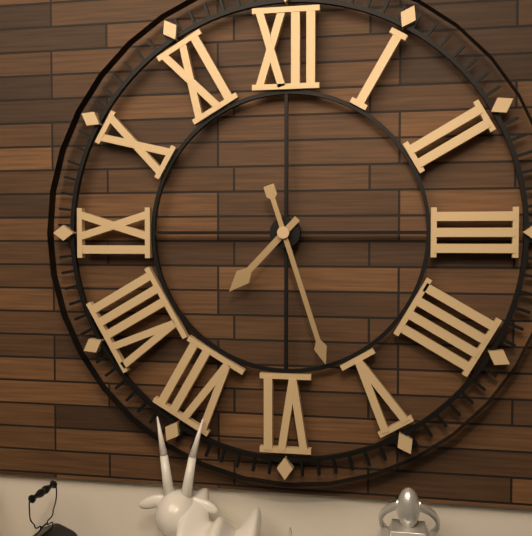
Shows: 7:27
